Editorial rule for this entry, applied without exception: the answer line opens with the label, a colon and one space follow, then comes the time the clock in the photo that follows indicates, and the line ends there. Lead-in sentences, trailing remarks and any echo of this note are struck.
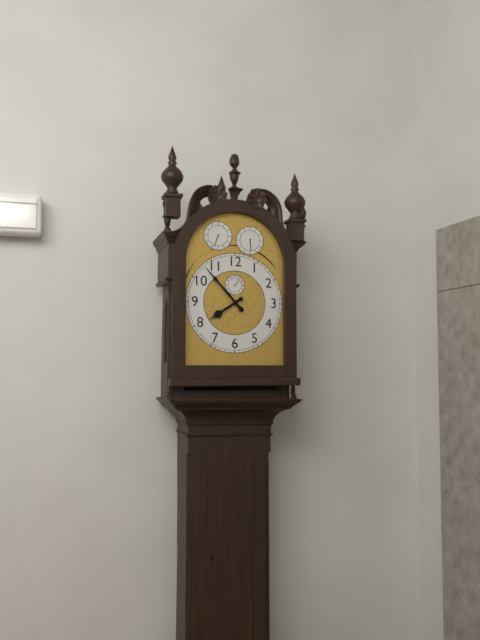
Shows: 7:53
